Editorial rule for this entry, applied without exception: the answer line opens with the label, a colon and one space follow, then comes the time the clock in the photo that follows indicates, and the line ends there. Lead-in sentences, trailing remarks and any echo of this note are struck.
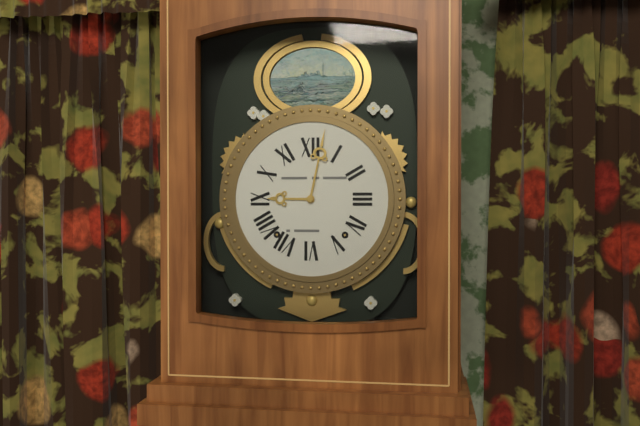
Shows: 9:02
